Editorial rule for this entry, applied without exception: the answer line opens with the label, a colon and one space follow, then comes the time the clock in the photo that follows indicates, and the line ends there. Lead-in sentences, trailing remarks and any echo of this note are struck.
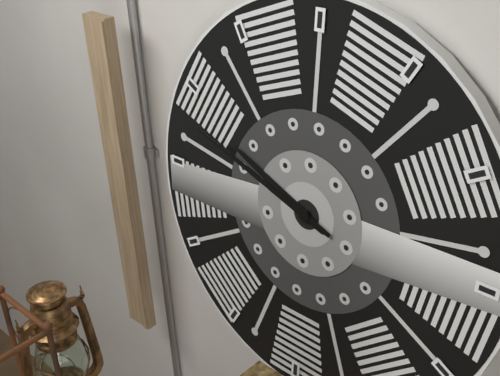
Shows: 9:48
